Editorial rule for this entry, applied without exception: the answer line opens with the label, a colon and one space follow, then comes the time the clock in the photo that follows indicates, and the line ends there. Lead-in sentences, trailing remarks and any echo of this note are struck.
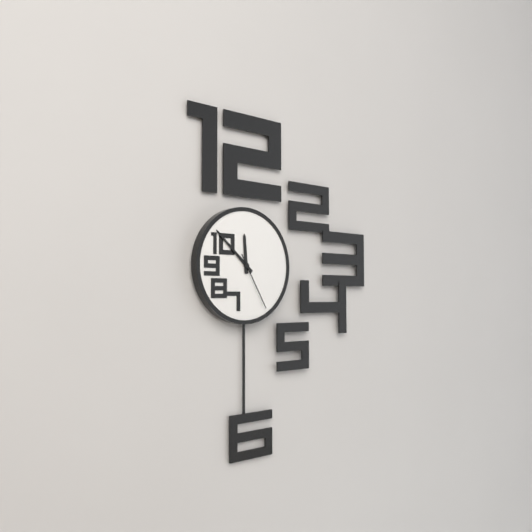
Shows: 11:52:25
